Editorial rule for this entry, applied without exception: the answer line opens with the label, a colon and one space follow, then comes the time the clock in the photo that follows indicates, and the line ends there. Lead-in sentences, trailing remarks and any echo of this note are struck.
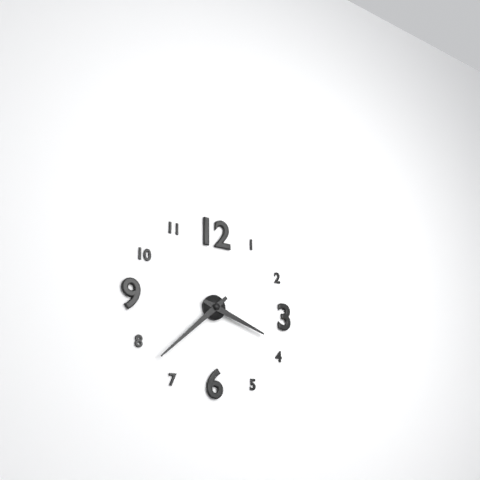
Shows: 3:38
